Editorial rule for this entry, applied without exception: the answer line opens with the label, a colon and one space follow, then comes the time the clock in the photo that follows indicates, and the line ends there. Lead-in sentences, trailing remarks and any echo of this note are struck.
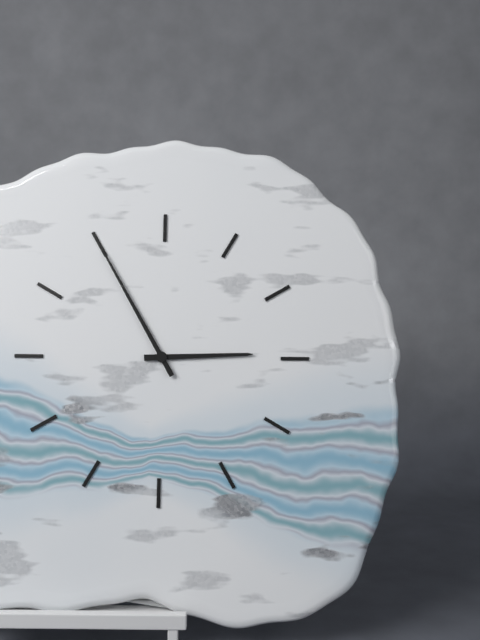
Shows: 2:55
